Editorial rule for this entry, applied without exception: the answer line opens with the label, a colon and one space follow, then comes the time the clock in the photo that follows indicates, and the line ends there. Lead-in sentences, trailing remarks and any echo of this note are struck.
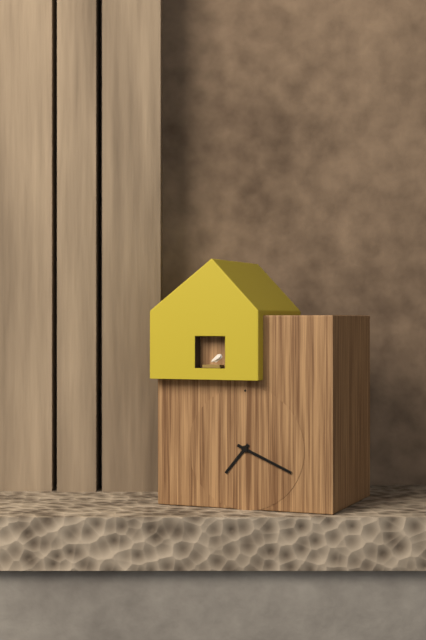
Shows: 7:19
